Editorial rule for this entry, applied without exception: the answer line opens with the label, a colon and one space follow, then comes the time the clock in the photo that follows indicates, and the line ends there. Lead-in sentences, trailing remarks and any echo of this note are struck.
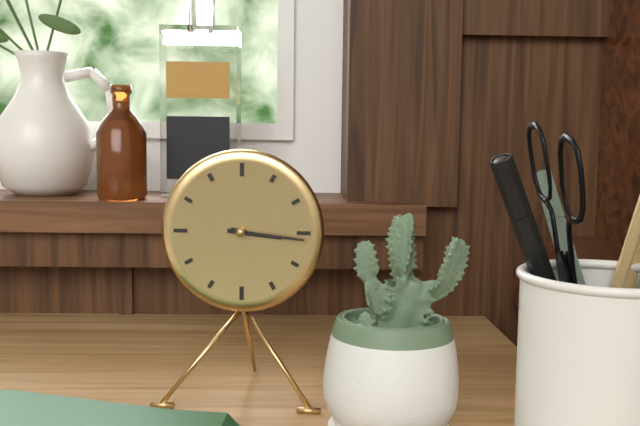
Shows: 3:16
